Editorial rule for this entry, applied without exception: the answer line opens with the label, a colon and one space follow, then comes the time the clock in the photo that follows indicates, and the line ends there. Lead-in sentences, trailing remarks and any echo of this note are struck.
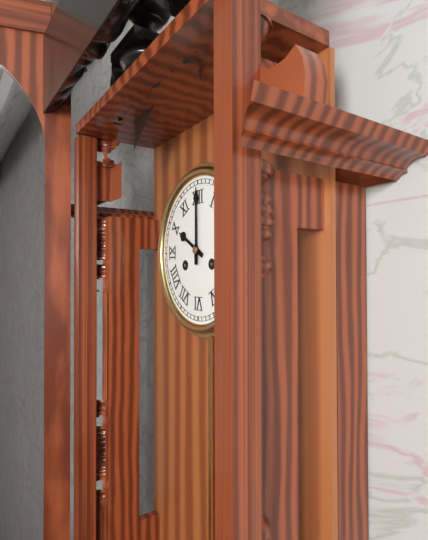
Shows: 10:00
